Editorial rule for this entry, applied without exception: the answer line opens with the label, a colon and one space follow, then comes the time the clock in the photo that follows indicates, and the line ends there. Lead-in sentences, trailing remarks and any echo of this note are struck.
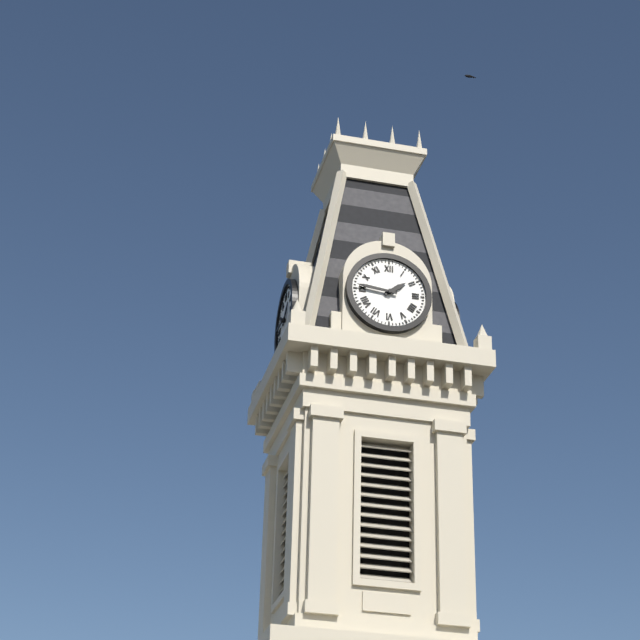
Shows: 1:46
